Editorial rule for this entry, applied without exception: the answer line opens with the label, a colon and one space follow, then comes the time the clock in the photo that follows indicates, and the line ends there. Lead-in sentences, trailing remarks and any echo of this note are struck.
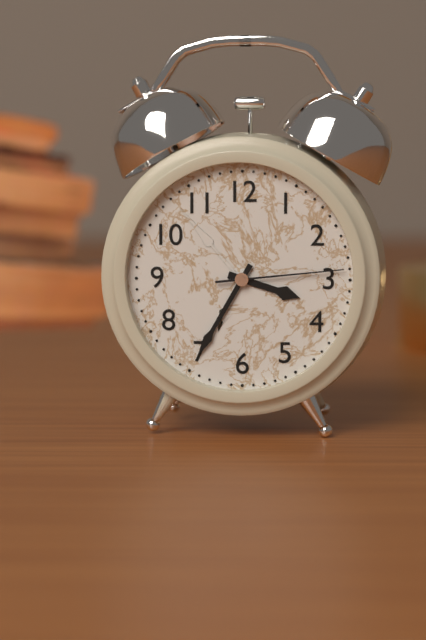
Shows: 3:35:14
